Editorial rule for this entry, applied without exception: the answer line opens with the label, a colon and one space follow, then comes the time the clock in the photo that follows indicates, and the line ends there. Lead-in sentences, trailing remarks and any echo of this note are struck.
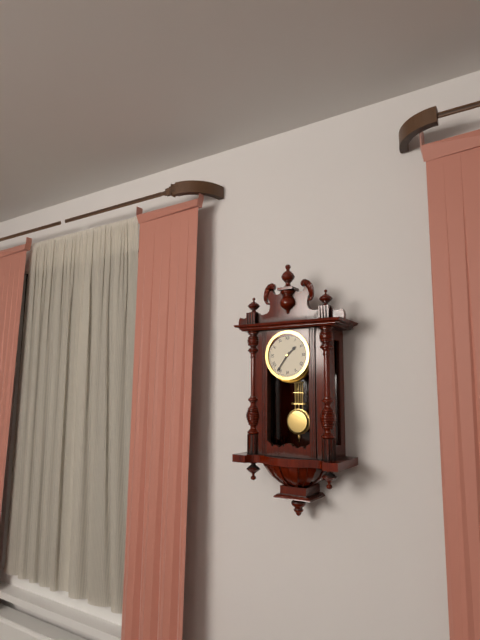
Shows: 1:36
